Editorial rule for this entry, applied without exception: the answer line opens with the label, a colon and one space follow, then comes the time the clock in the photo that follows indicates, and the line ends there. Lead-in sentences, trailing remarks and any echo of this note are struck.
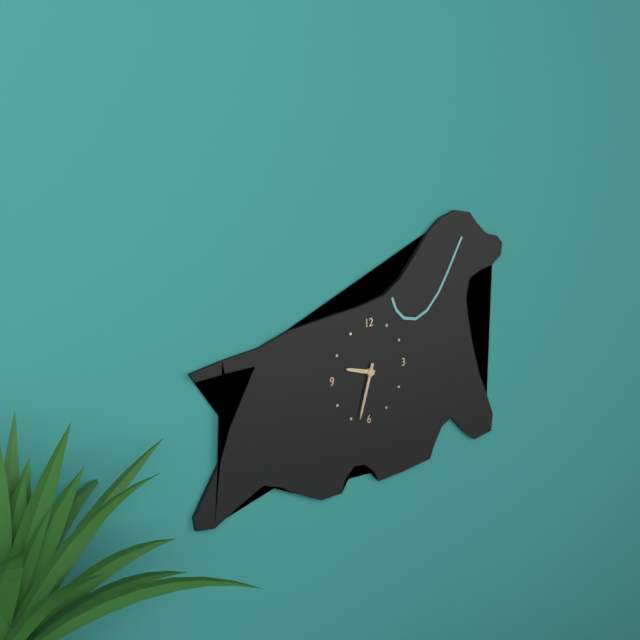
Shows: 9:33
